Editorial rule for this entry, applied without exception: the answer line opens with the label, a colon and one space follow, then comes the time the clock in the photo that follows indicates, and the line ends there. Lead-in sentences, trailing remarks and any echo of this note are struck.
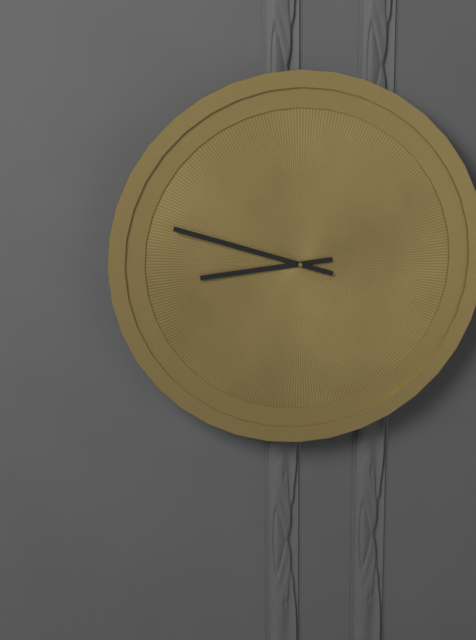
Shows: 8:48
